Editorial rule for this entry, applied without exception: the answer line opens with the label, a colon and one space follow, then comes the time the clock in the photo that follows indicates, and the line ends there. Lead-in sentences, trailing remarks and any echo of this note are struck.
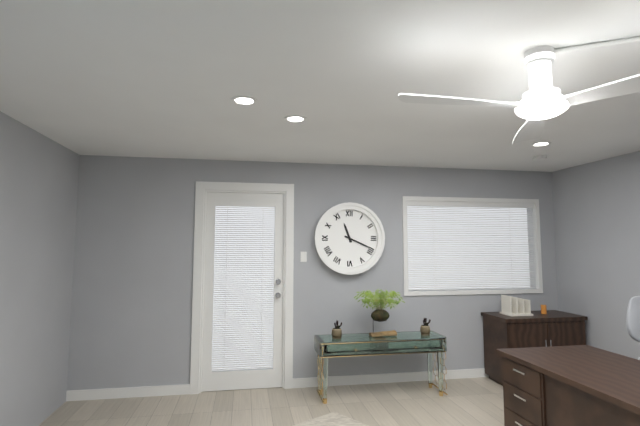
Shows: 11:19
